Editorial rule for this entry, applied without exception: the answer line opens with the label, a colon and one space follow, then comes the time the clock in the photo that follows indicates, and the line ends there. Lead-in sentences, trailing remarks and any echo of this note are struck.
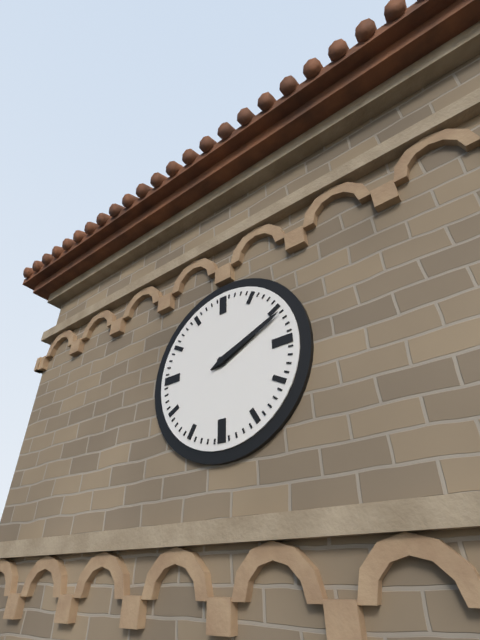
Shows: 2:11
